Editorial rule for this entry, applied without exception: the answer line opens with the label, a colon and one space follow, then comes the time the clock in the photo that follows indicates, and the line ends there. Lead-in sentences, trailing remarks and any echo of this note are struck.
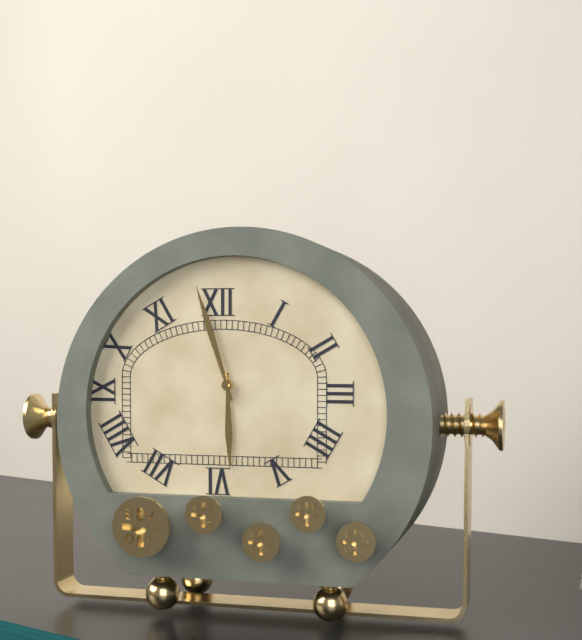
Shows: 5:57
